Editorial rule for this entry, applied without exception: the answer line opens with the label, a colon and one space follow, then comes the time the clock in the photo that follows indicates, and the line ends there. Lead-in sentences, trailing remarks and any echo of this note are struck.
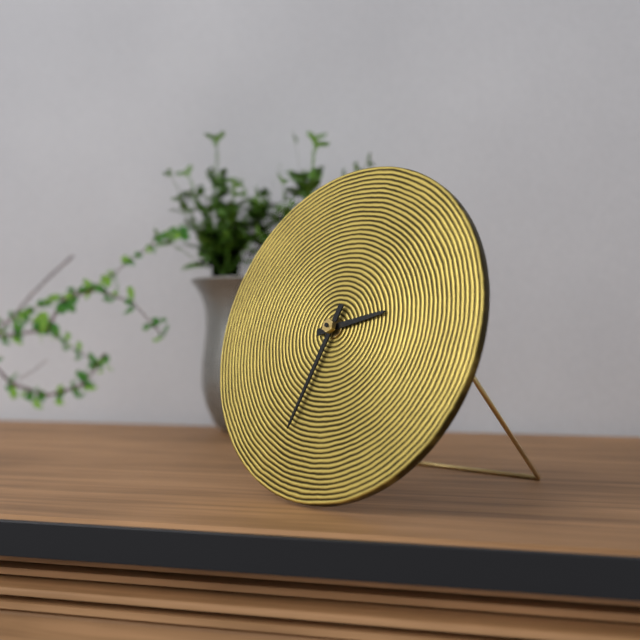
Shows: 2:33
